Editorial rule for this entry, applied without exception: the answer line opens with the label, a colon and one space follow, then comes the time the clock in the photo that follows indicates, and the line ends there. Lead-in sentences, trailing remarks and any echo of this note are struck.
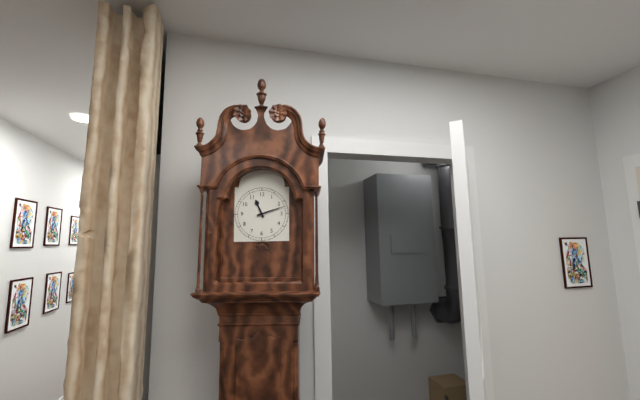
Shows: 11:12
